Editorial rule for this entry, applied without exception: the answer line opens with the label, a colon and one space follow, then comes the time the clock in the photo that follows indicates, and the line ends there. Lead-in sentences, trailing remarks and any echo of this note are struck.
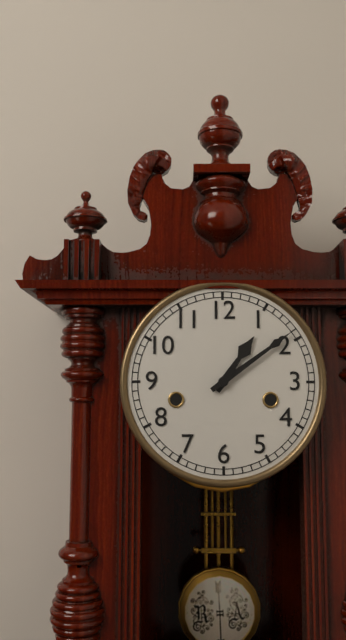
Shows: 1:09
